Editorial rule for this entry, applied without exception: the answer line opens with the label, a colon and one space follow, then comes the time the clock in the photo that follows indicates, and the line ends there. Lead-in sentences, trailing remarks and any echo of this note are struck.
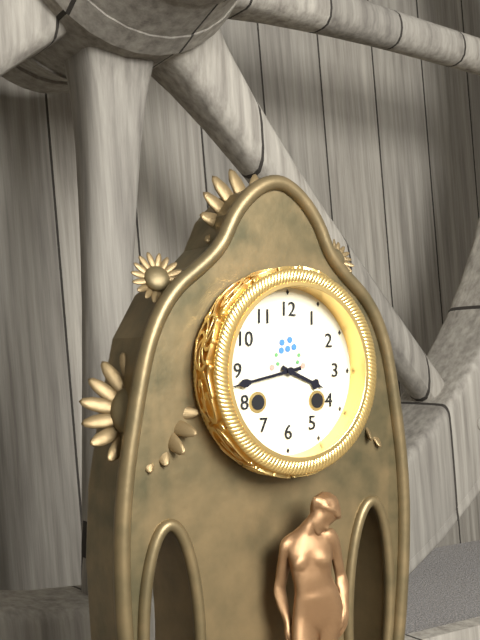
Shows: 3:43
